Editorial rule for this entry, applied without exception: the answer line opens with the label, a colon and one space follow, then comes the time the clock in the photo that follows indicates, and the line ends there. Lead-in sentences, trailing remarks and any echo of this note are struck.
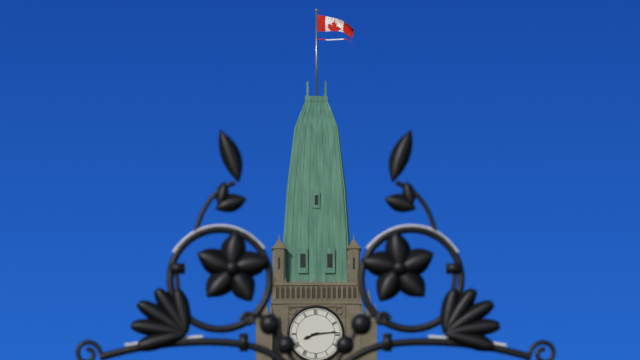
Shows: 8:14
